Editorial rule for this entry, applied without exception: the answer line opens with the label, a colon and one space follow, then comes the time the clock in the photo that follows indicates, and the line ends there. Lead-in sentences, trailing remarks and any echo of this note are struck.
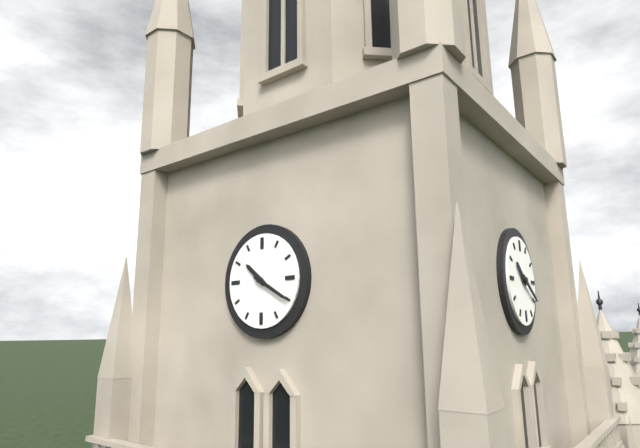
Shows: 10:20
